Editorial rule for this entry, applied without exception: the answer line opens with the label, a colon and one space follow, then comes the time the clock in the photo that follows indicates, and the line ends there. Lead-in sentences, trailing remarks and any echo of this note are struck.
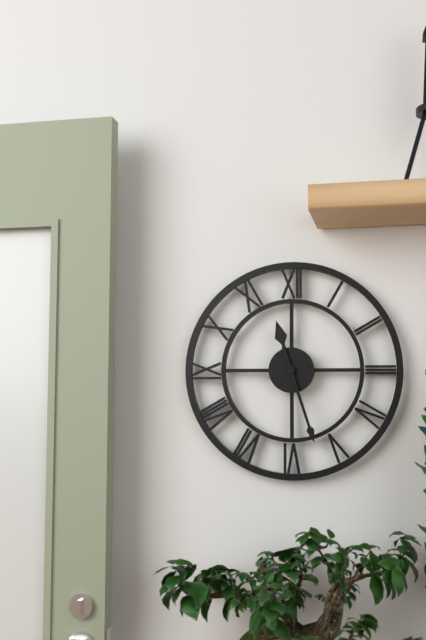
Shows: 11:27
